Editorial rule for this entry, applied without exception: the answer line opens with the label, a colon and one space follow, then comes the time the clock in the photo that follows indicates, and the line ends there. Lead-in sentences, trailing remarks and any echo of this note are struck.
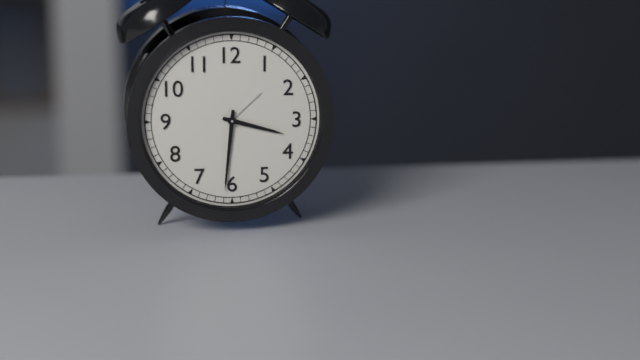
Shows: 3:31
